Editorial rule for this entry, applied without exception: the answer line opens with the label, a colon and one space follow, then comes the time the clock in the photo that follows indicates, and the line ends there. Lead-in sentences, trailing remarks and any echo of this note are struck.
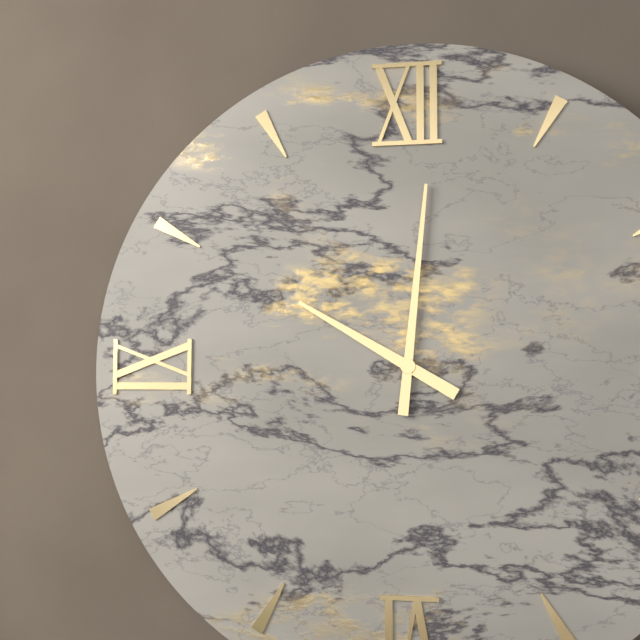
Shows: 10:01
